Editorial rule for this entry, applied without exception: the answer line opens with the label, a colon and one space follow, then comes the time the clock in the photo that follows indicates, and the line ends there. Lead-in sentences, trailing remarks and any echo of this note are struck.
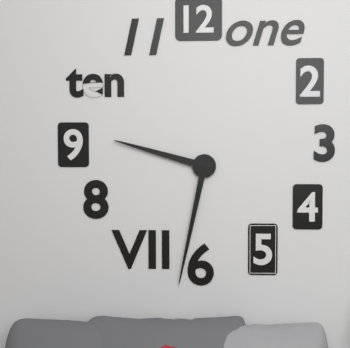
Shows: 9:32
